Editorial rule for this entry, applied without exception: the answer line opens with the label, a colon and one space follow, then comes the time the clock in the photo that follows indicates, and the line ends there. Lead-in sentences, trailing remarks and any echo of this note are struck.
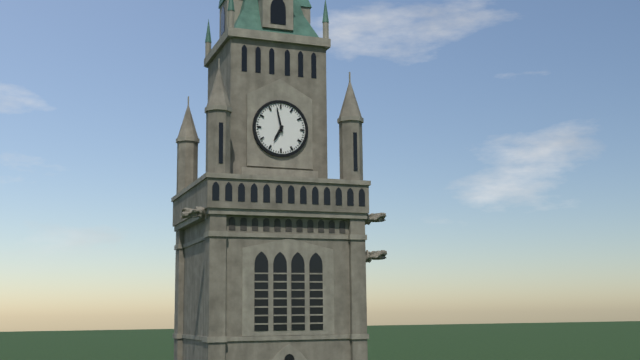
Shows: 6:58
